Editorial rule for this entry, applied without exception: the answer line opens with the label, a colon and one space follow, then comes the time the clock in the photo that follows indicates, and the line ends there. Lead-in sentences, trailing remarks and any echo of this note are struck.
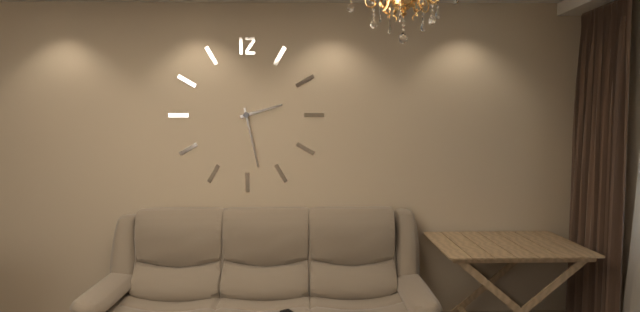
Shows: 2:28
